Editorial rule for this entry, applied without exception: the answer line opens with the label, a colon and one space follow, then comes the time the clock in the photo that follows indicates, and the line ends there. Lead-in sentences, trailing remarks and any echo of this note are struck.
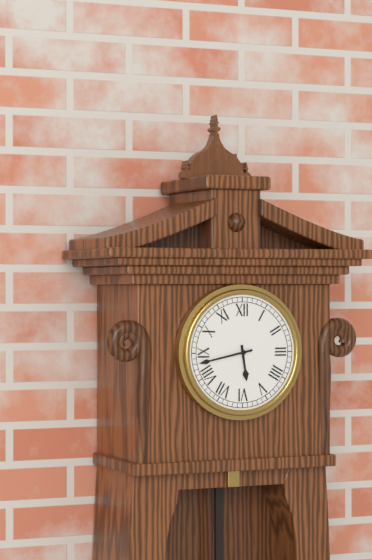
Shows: 5:43
